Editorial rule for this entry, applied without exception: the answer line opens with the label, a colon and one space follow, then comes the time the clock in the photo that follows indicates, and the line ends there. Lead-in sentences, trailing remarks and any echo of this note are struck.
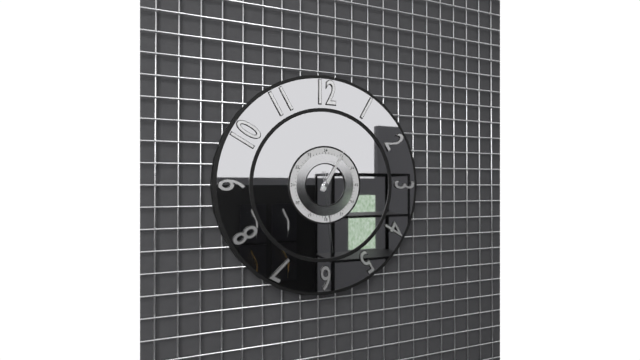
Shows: 1:05:29
